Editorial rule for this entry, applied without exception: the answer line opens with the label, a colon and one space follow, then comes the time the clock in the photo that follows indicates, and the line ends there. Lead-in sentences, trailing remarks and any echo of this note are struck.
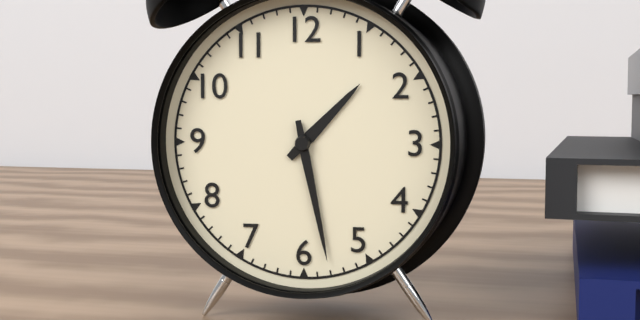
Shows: 1:28
